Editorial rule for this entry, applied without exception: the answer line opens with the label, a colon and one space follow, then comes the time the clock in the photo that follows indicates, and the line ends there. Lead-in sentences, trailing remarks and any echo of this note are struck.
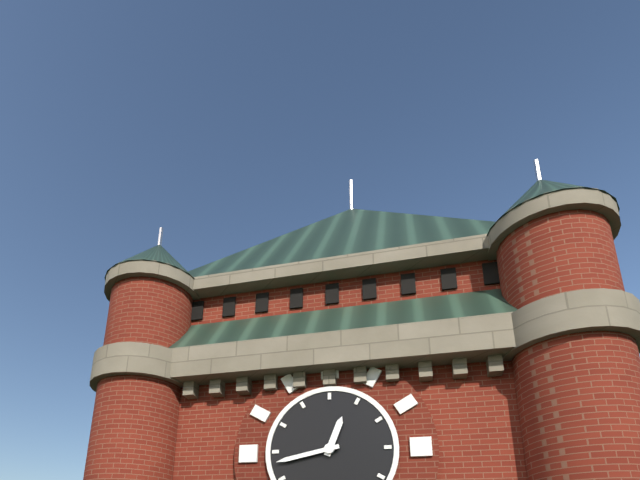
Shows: 12:43
